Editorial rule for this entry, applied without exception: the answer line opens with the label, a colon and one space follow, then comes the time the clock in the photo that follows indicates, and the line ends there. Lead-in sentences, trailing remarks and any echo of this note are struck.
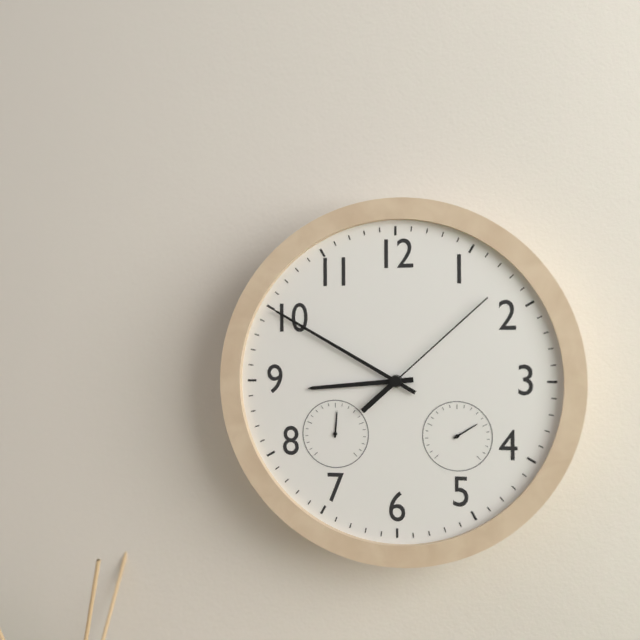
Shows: 8:50:08
